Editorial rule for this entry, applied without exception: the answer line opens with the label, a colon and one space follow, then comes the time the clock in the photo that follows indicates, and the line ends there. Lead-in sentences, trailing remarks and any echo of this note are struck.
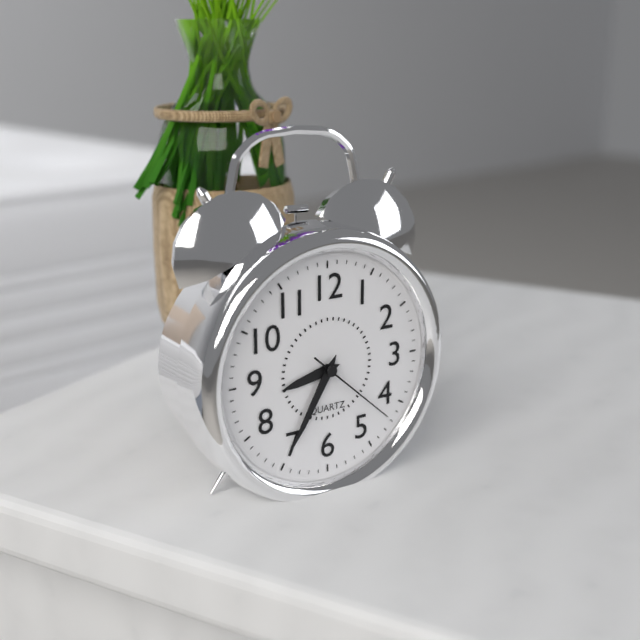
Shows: 8:35:22
